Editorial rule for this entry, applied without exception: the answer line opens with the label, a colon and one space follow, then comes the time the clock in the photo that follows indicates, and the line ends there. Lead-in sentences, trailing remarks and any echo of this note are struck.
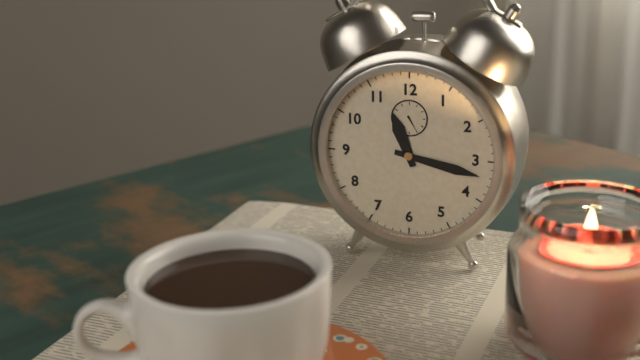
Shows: 11:17
